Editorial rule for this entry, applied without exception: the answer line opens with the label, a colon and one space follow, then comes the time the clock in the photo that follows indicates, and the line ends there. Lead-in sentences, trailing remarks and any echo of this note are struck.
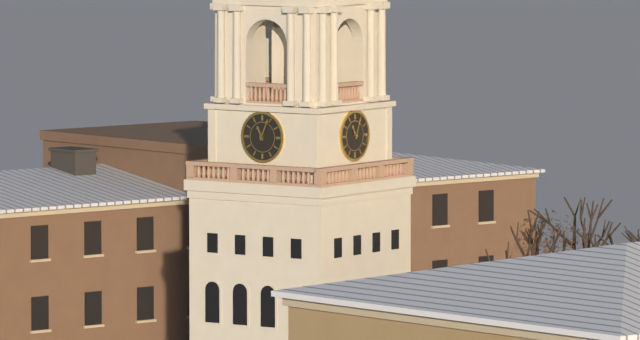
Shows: 11:04
